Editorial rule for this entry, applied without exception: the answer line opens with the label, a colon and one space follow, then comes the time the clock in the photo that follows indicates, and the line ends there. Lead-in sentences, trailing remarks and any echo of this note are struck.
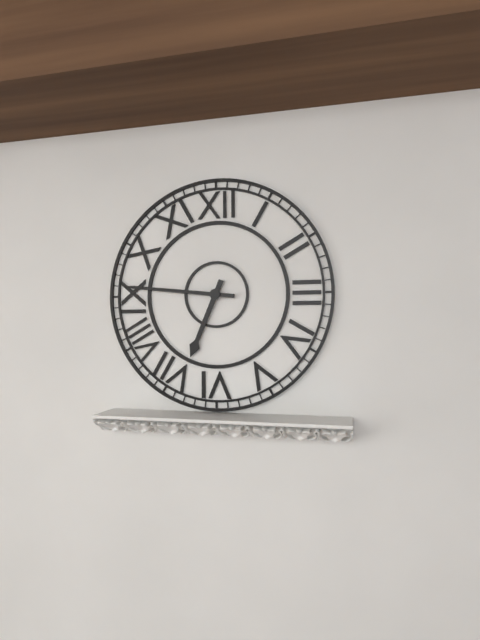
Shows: 6:46
